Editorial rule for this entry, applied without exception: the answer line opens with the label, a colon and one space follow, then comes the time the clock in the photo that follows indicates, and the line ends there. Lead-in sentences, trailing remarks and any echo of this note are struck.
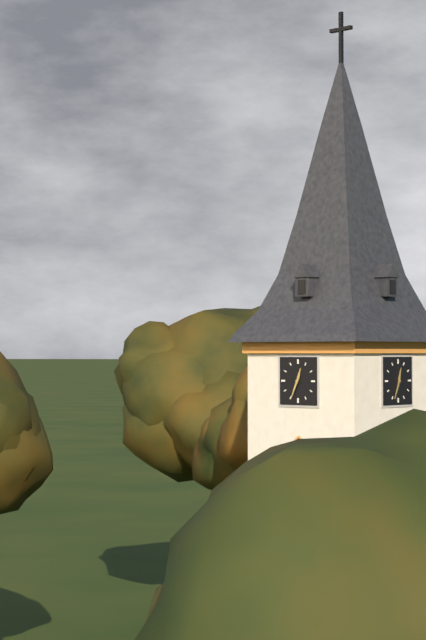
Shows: 12:34
